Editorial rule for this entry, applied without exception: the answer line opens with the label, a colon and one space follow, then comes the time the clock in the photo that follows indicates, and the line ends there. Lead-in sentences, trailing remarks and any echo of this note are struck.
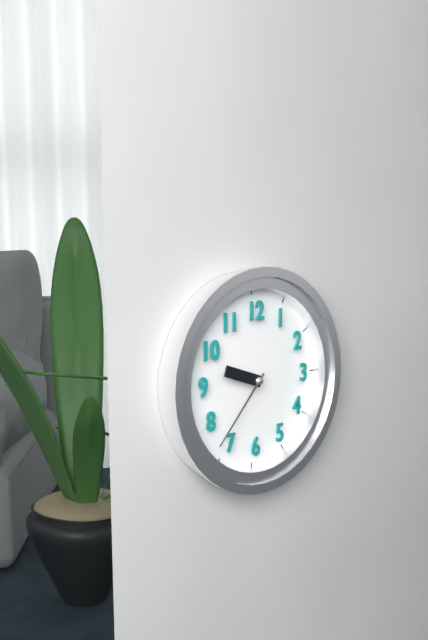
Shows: 9:37
